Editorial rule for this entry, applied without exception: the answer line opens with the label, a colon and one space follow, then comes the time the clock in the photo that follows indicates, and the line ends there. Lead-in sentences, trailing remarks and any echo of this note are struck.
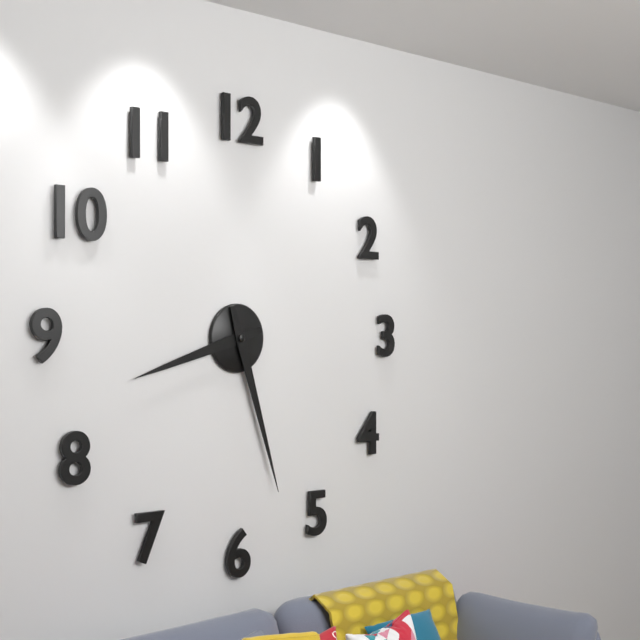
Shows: 8:27
